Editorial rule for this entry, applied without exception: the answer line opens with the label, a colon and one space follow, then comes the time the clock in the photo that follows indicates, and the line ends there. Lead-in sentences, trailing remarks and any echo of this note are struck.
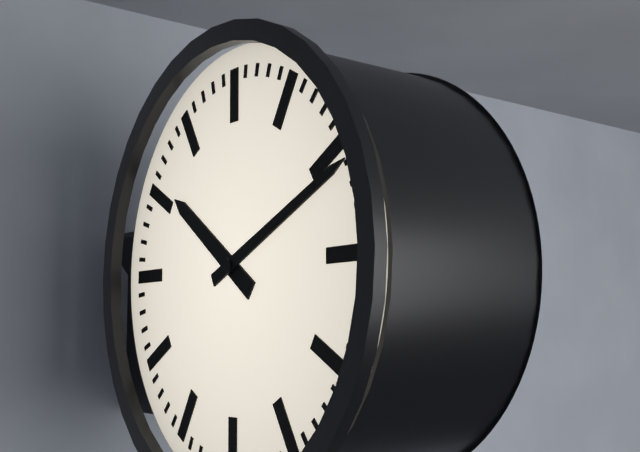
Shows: 10:11
